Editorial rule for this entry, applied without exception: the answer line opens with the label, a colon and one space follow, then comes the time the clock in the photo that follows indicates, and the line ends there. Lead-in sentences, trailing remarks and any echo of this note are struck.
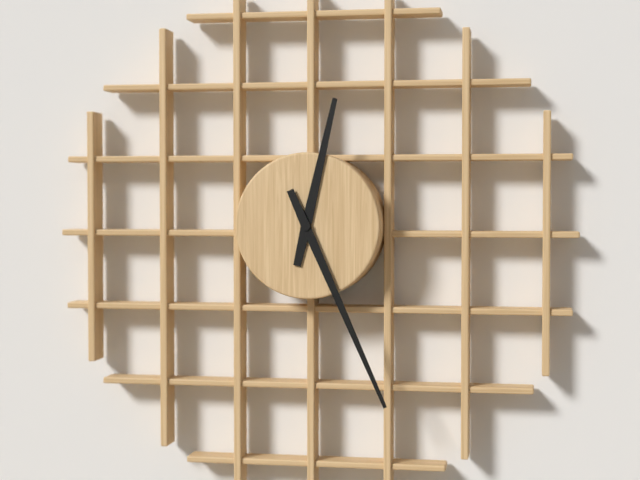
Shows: 12:26
